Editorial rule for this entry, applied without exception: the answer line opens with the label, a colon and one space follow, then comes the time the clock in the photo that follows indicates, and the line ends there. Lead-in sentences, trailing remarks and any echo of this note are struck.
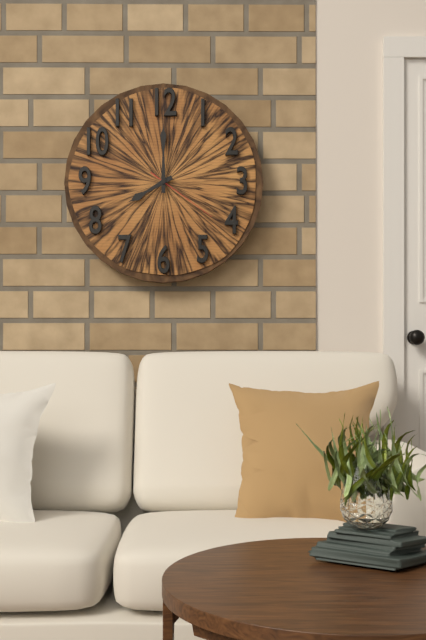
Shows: 8:00:21
